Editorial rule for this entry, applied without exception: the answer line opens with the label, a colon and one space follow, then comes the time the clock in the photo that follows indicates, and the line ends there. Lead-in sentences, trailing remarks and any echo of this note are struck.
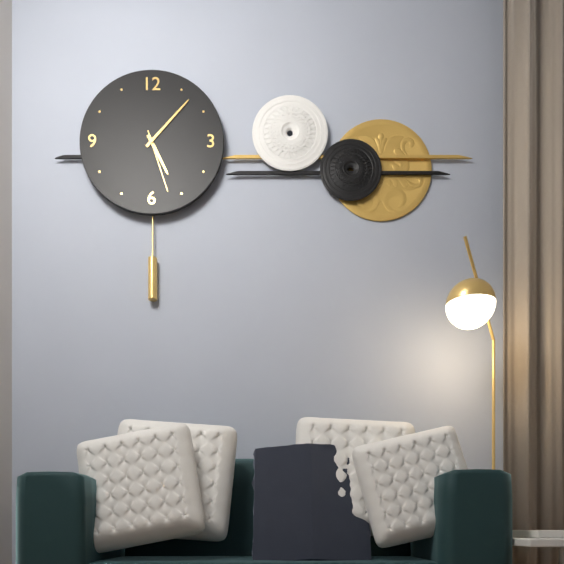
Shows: 5:07:27
